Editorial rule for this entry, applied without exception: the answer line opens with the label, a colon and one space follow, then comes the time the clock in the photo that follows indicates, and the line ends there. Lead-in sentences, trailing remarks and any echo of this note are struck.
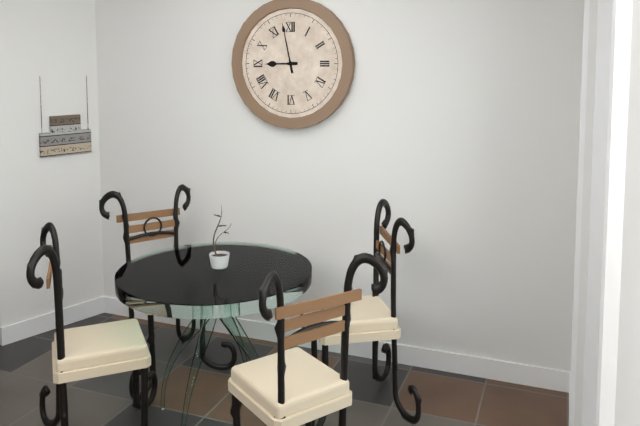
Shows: 8:58
